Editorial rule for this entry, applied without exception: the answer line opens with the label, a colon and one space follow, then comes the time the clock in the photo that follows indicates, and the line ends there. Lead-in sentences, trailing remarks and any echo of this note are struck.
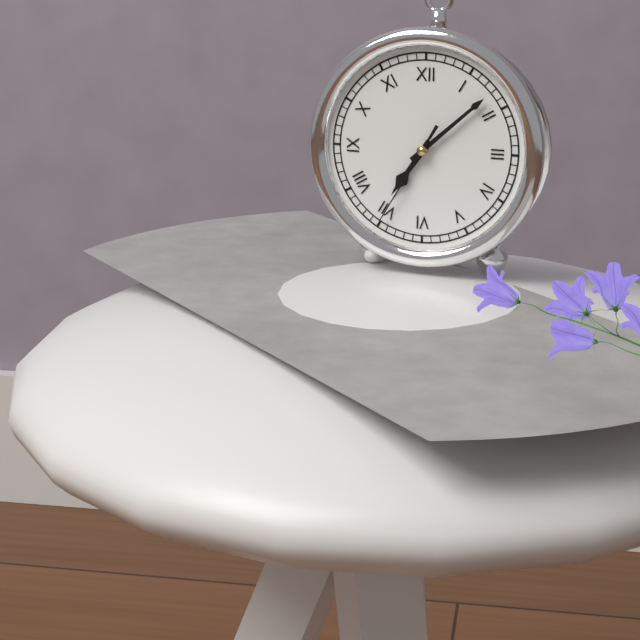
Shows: 7:08:35
